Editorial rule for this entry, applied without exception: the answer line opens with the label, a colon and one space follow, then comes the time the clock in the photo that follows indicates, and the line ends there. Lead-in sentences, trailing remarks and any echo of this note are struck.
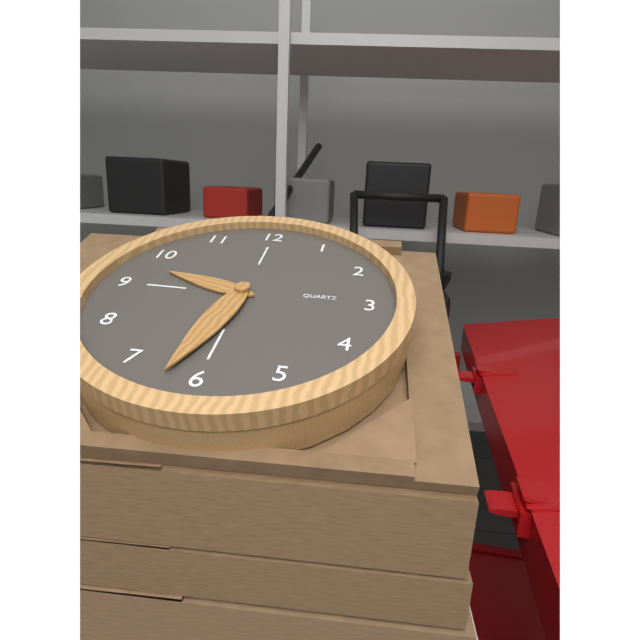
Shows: 9:32
